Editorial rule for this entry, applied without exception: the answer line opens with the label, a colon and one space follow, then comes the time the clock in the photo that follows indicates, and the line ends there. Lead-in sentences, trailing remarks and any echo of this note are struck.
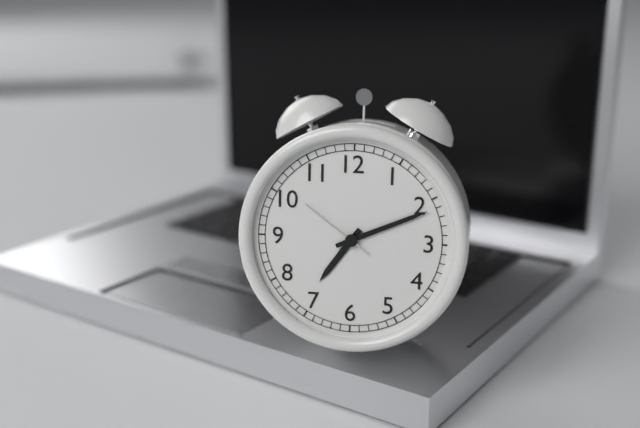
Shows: 7:11:51
